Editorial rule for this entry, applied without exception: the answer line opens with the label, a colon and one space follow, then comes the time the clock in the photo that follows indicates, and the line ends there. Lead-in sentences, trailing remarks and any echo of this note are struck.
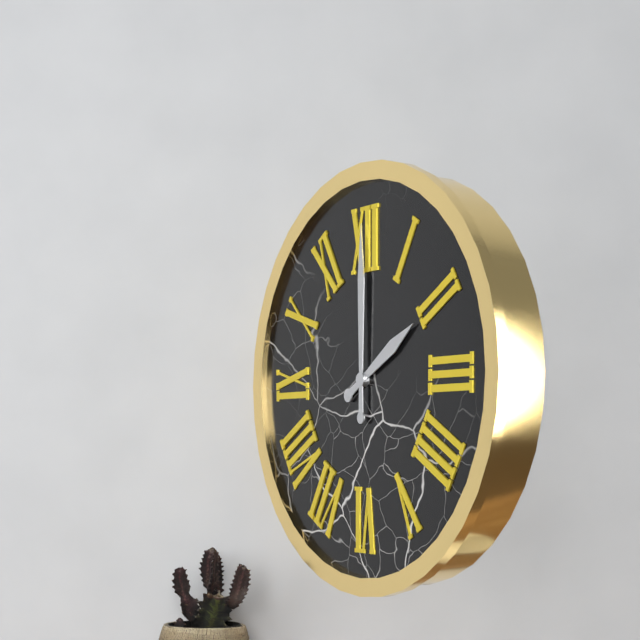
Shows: 2:00
